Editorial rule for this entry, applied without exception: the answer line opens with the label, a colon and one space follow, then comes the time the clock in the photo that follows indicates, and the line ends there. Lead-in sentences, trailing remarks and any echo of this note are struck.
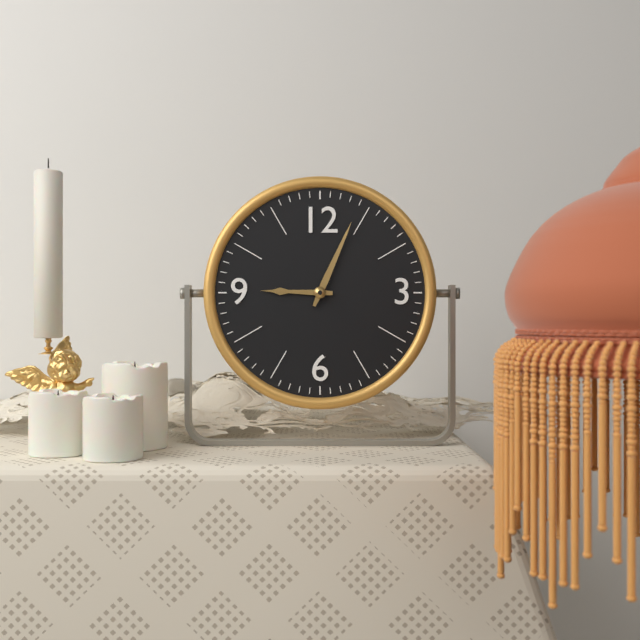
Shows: 9:04
